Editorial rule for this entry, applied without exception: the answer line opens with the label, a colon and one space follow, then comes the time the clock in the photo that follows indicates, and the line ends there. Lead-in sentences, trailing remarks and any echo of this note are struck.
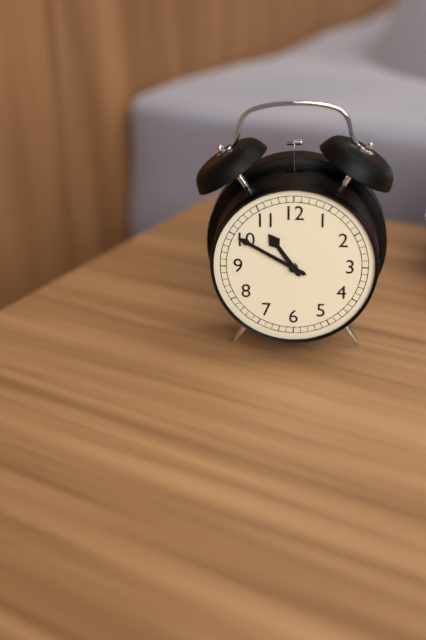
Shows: 10:50
